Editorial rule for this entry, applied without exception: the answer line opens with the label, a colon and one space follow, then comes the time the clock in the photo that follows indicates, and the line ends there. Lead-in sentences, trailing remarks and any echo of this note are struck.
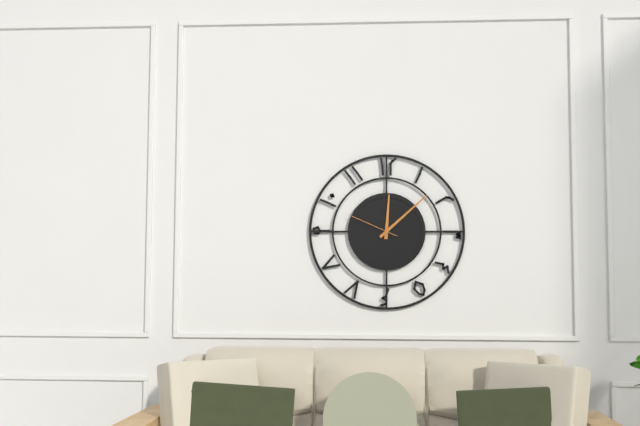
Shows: 12:08:49
